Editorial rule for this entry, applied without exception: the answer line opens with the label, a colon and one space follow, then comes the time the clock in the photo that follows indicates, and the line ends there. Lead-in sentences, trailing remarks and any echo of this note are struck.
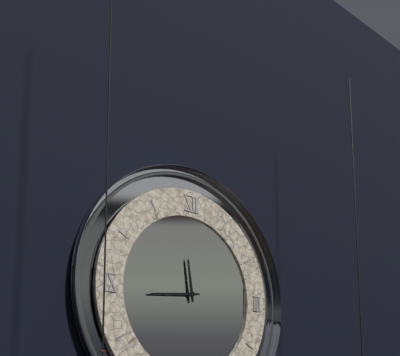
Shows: 11:44
